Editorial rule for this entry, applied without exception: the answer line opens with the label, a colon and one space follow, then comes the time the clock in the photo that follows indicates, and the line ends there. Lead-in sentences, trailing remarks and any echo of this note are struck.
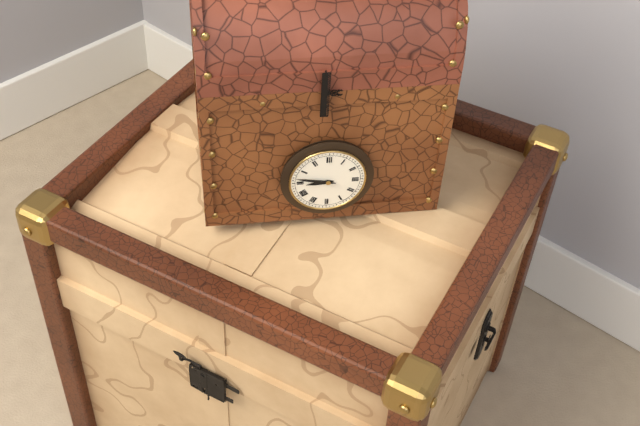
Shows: 8:47
